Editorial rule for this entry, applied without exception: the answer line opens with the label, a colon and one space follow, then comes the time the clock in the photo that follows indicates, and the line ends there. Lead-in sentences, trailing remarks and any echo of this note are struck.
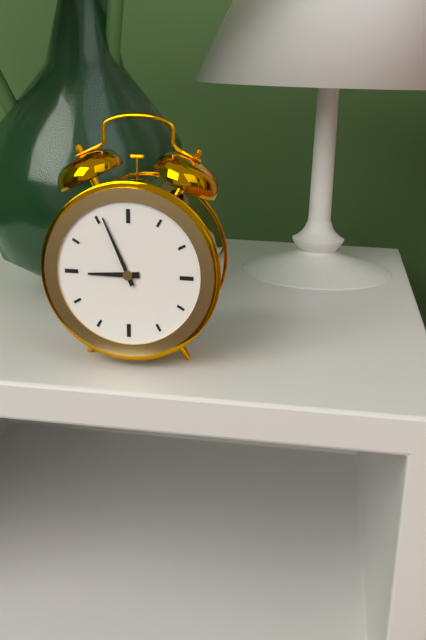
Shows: 8:56
